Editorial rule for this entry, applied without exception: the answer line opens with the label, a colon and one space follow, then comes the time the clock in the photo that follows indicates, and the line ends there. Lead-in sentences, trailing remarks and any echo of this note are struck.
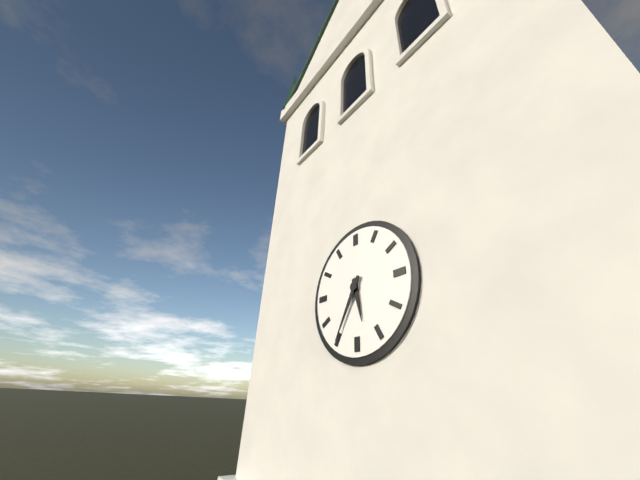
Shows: 5:35
